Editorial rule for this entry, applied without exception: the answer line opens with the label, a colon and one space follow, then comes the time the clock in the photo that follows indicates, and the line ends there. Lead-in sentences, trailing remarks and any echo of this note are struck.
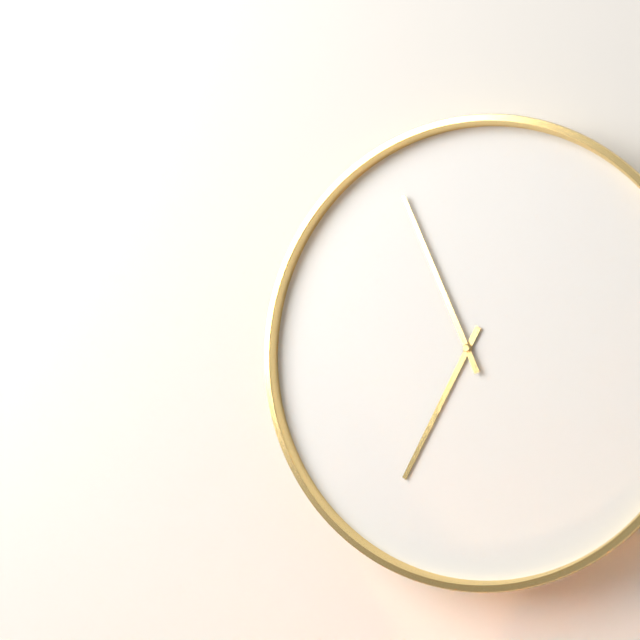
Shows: 6:56
